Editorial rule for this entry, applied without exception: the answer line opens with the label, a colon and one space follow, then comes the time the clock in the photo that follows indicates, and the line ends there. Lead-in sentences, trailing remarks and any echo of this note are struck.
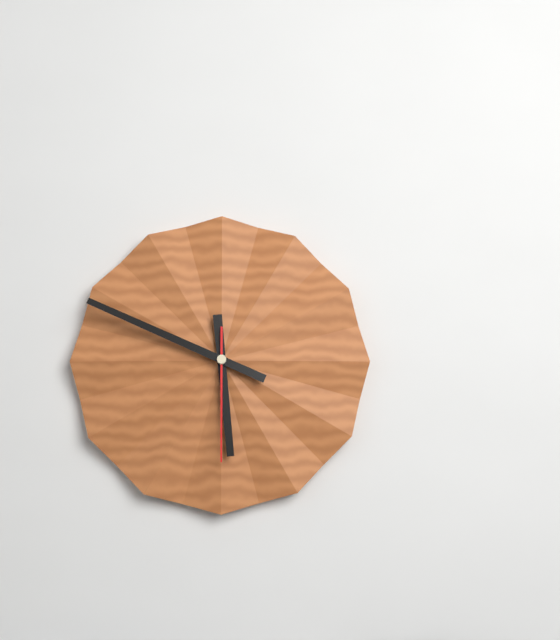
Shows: 5:49:30
